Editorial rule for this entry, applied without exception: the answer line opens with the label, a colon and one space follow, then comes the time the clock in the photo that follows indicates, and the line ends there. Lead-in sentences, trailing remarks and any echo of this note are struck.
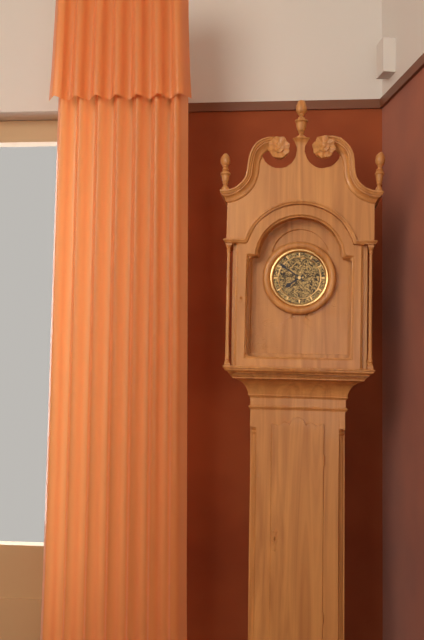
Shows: 7:51
